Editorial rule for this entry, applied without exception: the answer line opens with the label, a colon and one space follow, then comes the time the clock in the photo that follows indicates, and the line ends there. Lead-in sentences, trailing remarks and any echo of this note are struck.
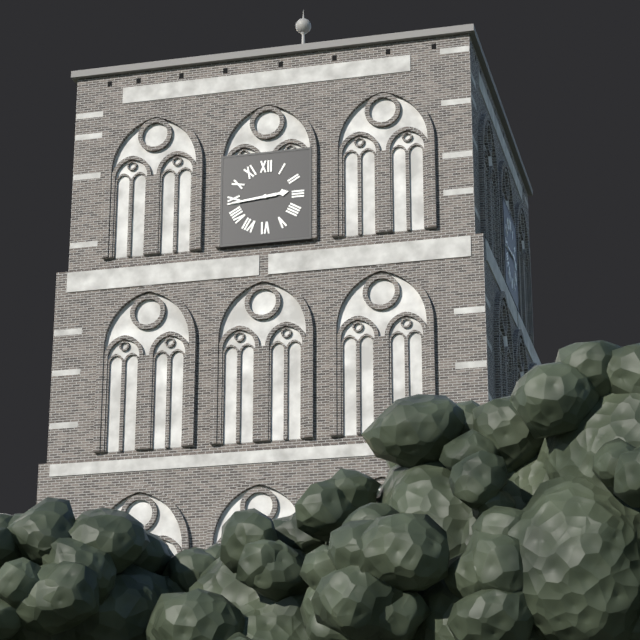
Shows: 2:44
